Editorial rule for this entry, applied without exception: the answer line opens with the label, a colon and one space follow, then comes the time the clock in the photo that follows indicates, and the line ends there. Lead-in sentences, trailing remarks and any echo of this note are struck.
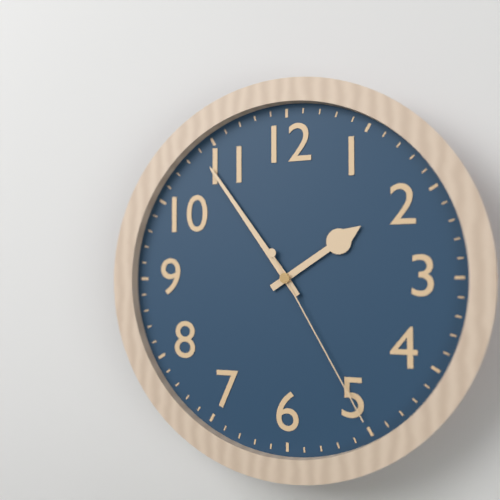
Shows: 1:54:25
